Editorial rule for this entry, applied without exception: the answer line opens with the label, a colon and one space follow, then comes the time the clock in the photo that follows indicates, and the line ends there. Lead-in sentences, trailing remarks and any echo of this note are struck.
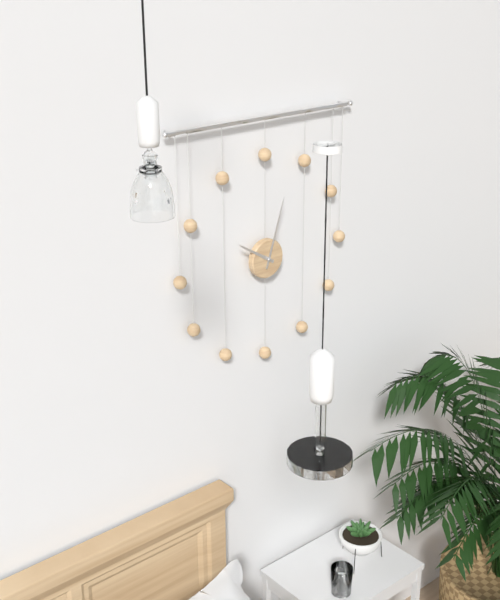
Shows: 10:03
